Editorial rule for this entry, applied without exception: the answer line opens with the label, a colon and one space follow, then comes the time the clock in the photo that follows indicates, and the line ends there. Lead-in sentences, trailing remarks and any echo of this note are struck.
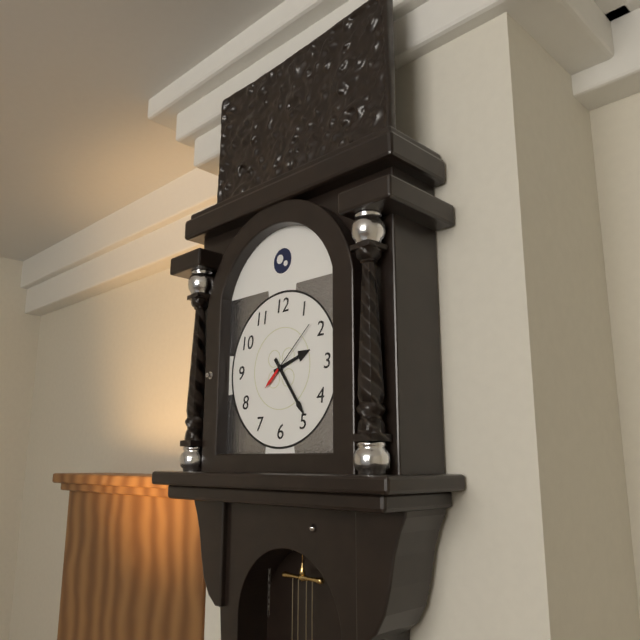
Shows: 2:24:08
